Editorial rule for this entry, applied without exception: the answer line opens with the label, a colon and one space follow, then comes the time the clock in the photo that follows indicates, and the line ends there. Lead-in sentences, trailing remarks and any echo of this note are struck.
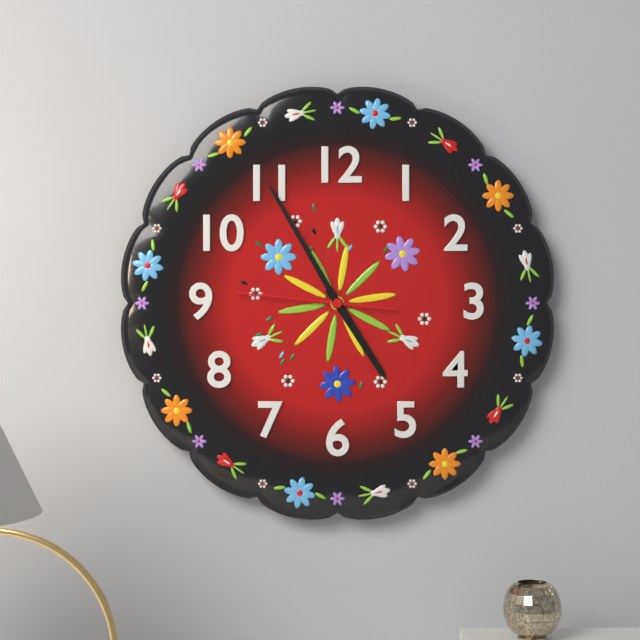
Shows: 4:55:46
